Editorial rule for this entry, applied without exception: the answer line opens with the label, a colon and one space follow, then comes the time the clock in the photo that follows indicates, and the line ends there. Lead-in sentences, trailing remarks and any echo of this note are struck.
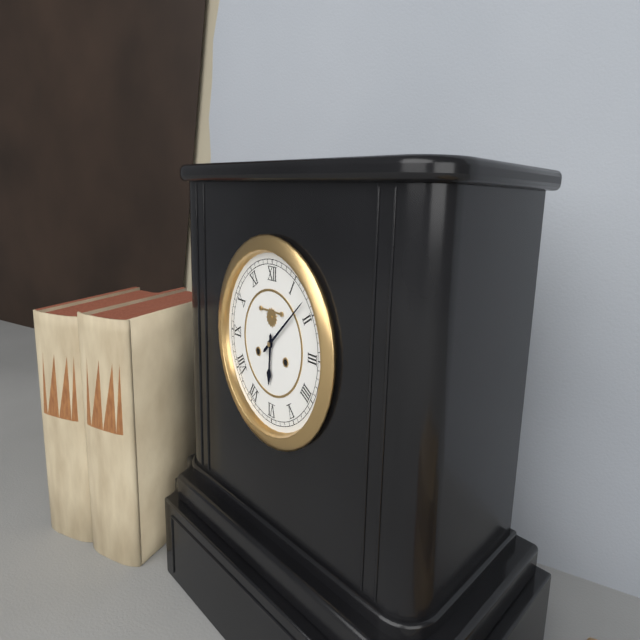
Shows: 6:08
